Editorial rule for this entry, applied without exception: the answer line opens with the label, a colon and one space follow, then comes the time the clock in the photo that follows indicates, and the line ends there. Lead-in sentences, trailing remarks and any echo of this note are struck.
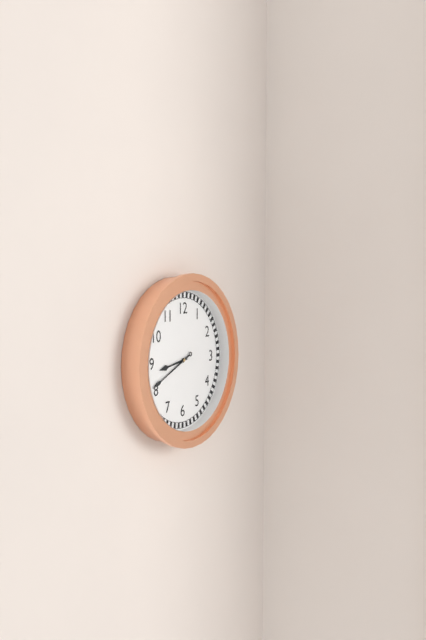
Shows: 8:41
